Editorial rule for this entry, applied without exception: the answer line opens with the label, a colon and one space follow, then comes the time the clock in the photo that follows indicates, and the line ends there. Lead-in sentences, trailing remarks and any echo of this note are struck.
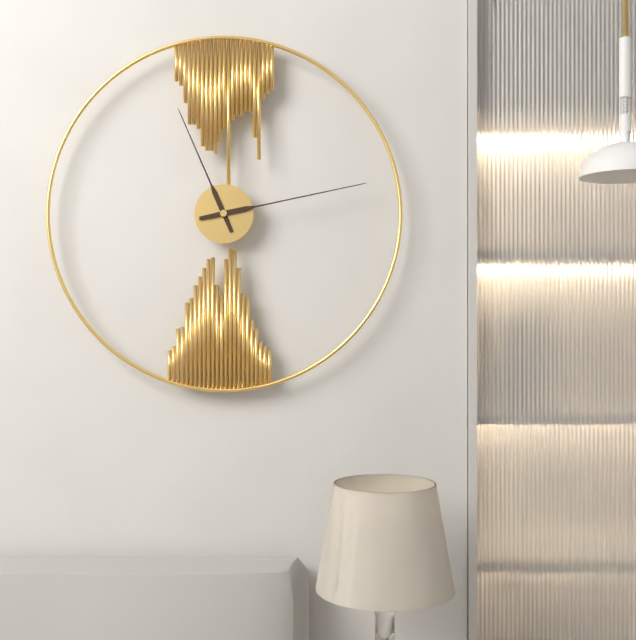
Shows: 11:13
